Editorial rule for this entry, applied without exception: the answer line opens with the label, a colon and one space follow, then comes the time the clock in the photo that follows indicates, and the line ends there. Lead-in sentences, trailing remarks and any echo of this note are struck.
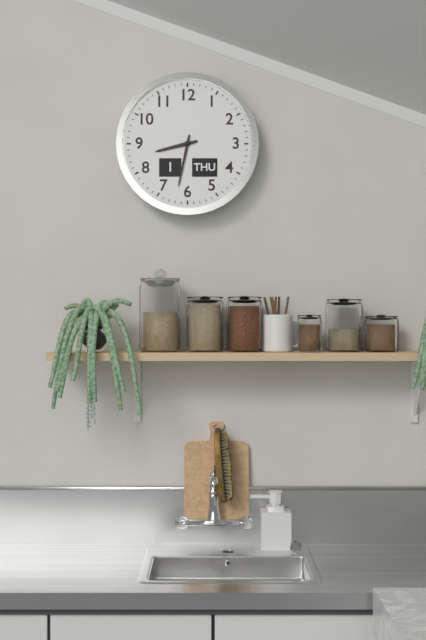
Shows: 8:32
